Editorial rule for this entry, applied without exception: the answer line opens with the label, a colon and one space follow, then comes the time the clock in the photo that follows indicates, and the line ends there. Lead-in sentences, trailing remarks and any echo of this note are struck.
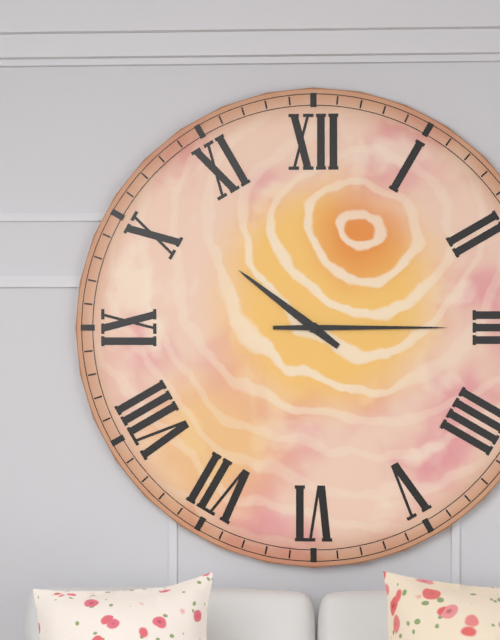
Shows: 10:15
